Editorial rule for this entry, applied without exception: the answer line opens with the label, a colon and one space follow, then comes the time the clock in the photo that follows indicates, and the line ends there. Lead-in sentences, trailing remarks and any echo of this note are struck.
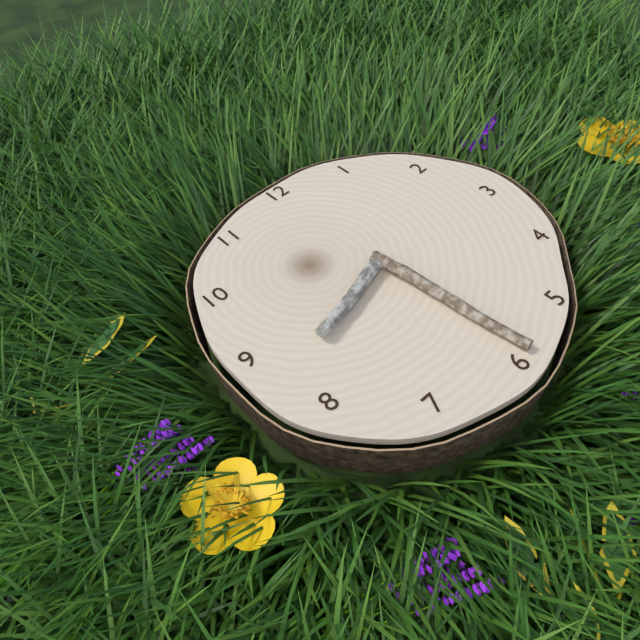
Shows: 8:29
